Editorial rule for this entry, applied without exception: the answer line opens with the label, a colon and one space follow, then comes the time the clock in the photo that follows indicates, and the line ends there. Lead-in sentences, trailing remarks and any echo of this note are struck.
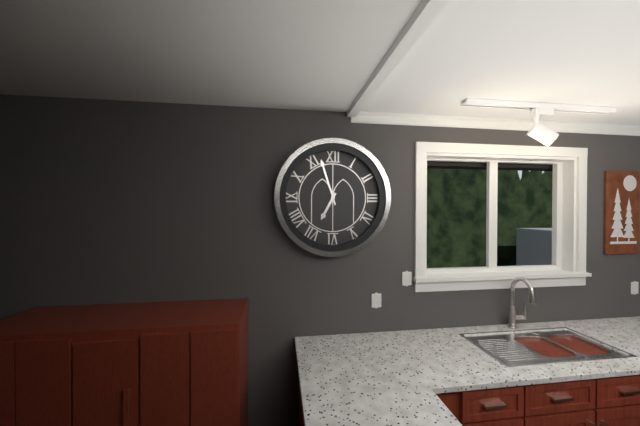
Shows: 6:57
